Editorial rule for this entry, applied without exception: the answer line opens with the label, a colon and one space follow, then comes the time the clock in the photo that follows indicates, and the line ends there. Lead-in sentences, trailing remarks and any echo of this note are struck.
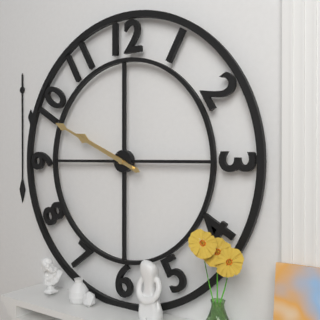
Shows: 9:49
